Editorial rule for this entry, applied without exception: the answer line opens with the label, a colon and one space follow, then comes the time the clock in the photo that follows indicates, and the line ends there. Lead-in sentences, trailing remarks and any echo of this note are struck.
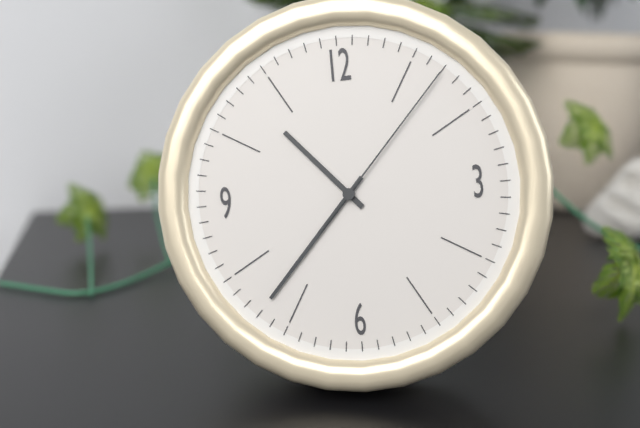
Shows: 10:37:07
